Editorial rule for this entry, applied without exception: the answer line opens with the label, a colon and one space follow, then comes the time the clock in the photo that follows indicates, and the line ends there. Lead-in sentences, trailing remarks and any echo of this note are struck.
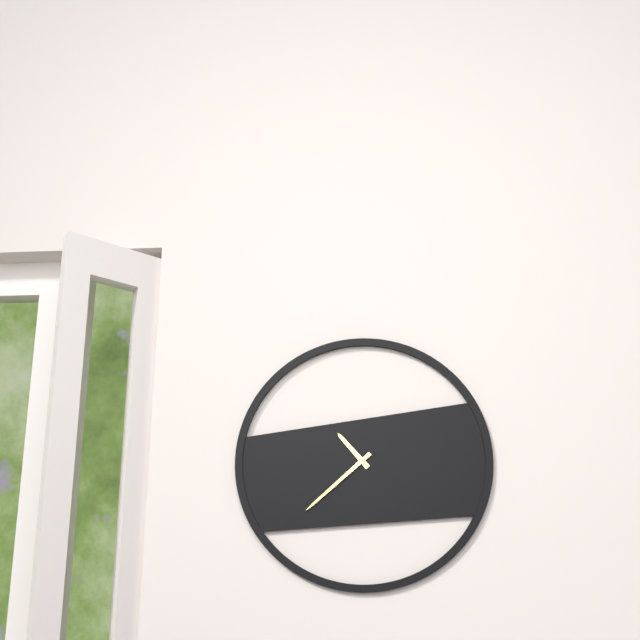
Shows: 10:38
